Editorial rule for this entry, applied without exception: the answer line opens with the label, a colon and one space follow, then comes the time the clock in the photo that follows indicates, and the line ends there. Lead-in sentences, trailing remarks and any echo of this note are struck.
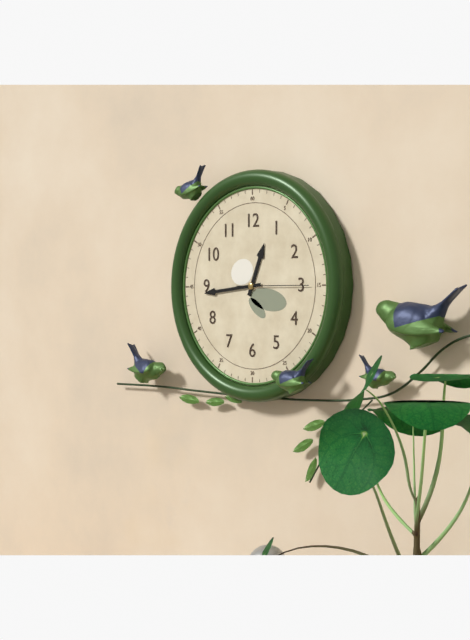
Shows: 12:44:15
